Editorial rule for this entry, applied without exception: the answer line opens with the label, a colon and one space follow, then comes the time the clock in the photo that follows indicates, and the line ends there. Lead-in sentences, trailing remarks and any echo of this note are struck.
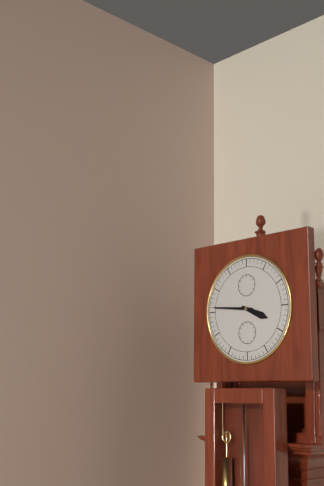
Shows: 3:46
